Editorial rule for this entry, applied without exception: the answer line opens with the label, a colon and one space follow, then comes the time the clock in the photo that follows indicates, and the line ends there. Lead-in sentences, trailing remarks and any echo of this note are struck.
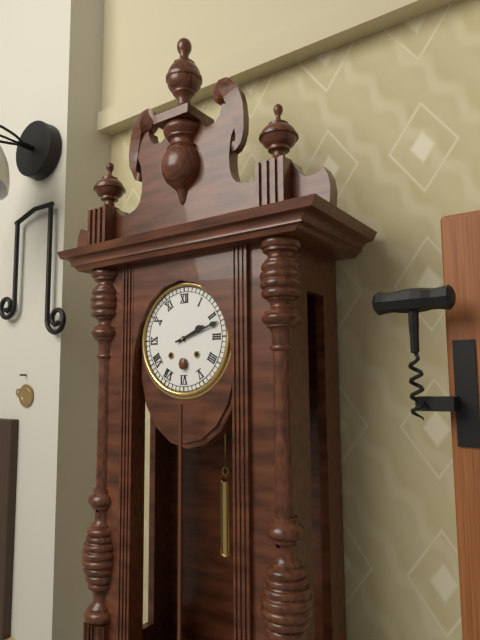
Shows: 2:12
